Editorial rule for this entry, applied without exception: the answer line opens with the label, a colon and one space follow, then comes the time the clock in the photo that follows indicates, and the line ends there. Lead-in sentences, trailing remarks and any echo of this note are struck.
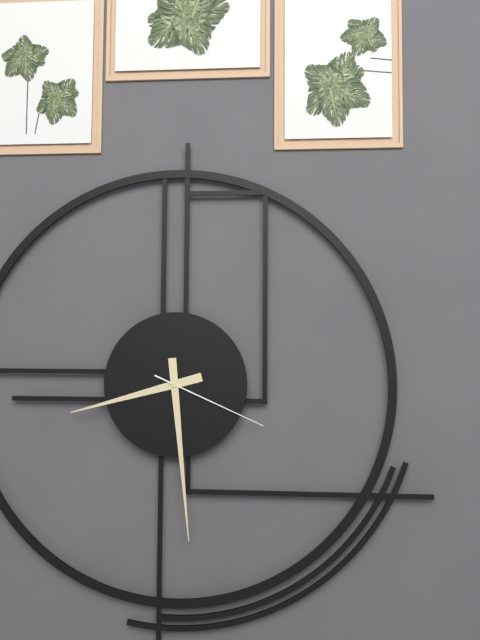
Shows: 8:29:19
